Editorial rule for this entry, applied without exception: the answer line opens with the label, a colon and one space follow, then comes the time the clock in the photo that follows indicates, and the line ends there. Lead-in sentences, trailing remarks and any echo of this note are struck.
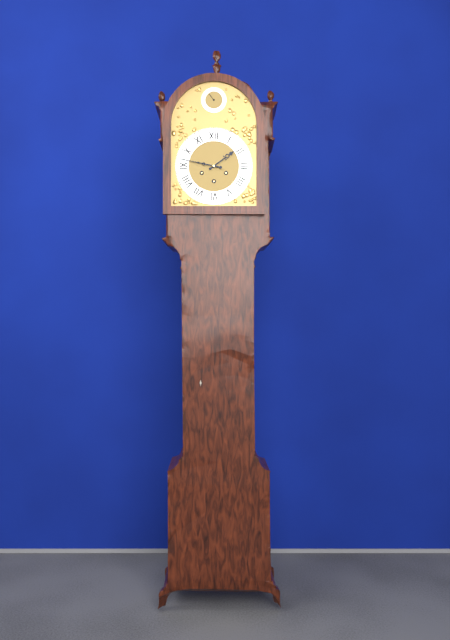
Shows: 1:47
